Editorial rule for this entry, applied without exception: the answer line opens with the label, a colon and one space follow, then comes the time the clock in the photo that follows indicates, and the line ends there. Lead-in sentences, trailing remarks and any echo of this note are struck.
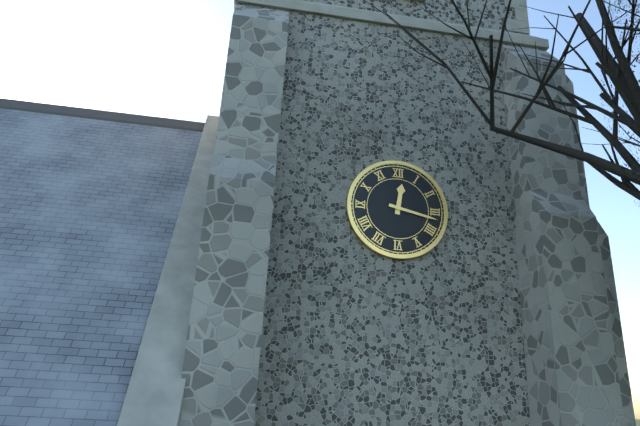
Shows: 12:17
